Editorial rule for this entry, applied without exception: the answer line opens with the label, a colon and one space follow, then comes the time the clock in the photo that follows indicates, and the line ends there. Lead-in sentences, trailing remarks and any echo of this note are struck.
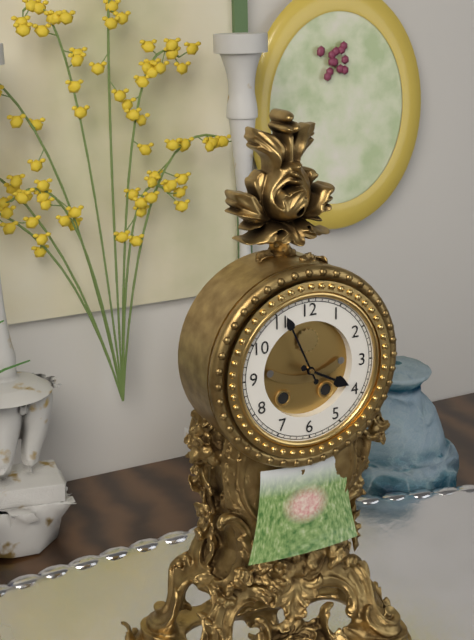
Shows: 3:56
